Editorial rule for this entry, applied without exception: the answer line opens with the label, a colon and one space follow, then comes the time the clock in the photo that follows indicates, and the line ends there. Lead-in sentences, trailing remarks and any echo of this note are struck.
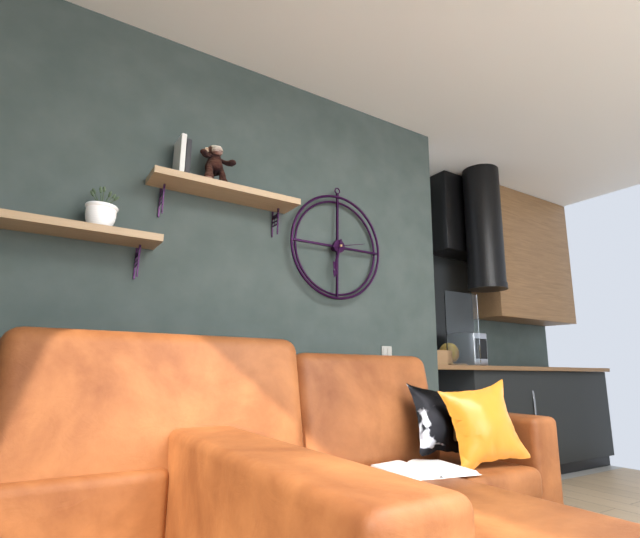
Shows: 6:32
